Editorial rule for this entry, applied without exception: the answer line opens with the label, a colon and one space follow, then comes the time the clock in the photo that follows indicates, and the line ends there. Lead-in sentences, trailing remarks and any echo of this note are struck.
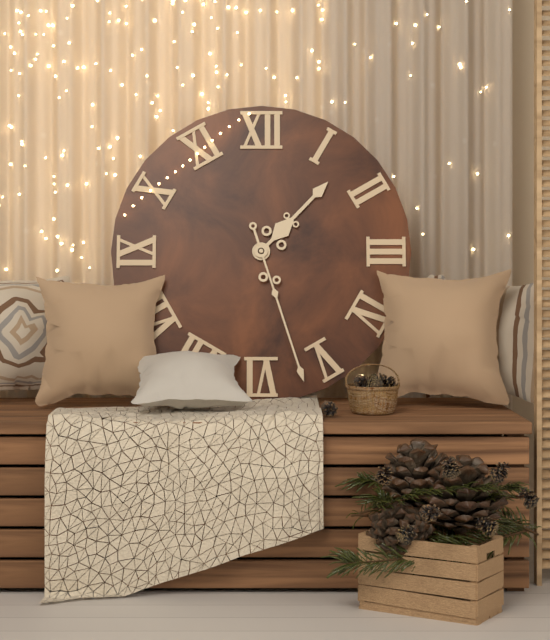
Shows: 1:27
